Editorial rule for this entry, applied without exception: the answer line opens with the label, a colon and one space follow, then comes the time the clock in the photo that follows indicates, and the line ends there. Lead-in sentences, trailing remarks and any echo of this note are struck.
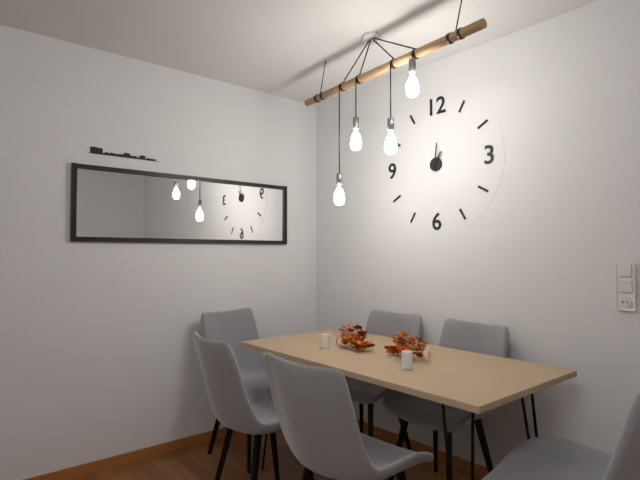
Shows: 1:01
